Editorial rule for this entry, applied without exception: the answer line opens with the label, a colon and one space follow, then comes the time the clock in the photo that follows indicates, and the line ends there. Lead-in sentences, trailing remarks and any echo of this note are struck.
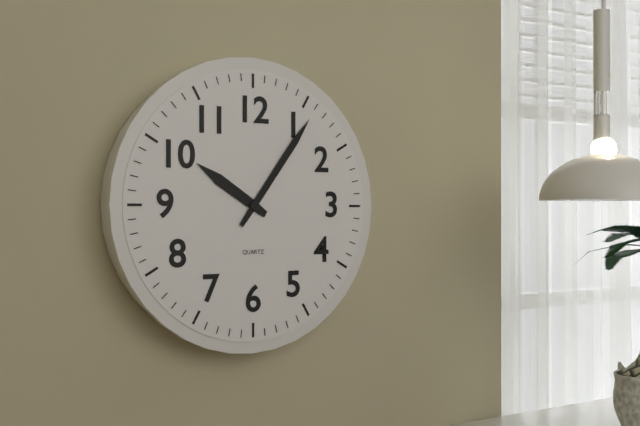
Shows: 10:06
